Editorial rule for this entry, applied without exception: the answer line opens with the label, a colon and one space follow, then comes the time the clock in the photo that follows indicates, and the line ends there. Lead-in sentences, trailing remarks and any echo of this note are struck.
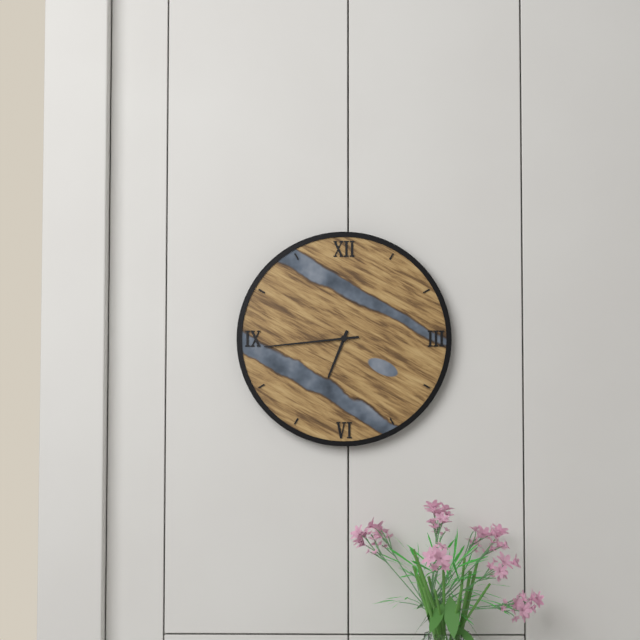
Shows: 6:44
